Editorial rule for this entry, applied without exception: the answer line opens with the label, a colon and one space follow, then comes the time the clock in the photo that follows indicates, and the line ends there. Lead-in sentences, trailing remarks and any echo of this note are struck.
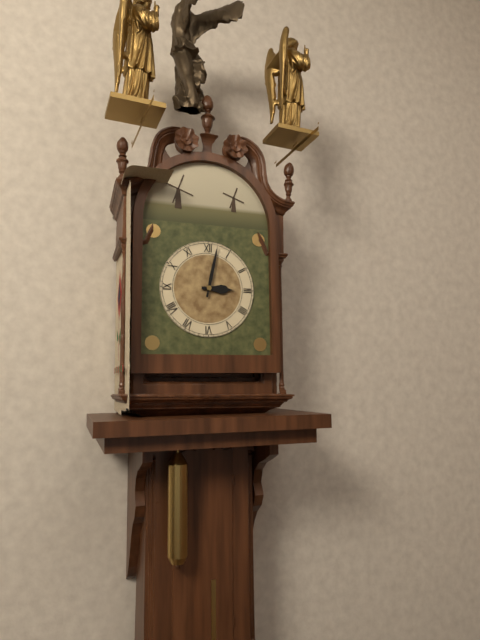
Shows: 3:02
